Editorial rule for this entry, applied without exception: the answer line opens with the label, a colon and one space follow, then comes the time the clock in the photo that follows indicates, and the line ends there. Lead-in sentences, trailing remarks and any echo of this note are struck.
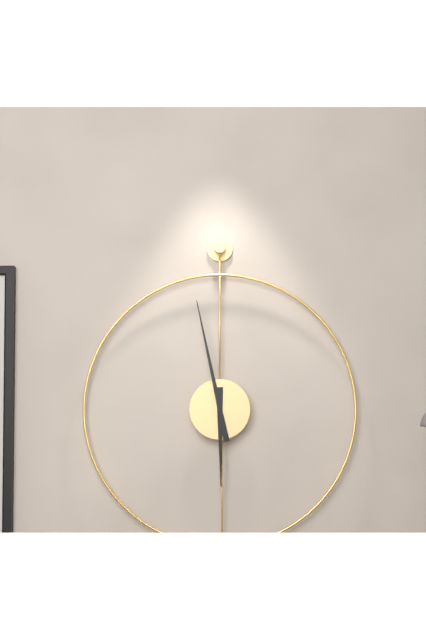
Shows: 5:58
